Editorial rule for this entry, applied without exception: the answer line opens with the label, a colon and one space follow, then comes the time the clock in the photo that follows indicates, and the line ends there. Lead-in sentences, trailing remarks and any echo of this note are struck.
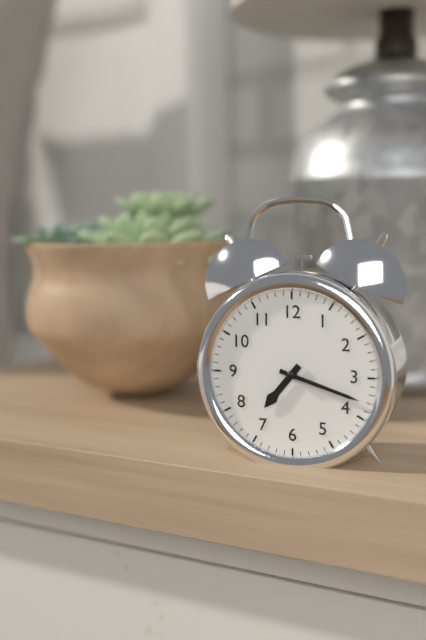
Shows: 7:18
